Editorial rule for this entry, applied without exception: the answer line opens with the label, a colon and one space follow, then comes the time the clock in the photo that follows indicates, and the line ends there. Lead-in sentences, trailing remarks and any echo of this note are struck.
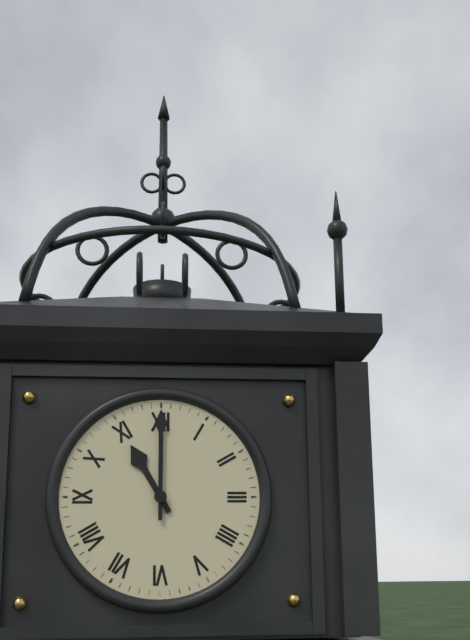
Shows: 11:00
